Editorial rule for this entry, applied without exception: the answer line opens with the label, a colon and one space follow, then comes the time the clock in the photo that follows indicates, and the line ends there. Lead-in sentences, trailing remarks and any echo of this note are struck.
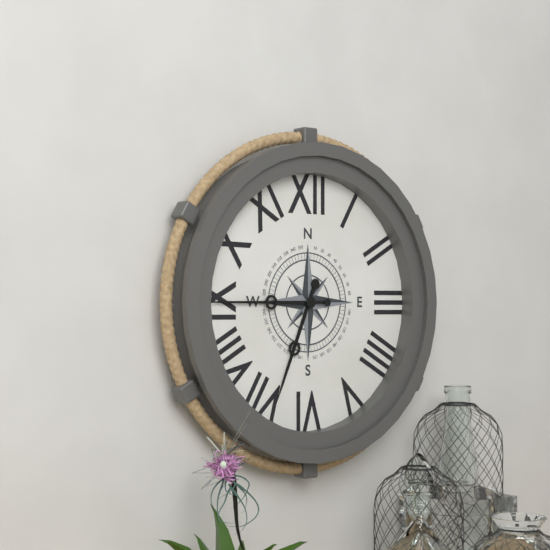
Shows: 6:45
